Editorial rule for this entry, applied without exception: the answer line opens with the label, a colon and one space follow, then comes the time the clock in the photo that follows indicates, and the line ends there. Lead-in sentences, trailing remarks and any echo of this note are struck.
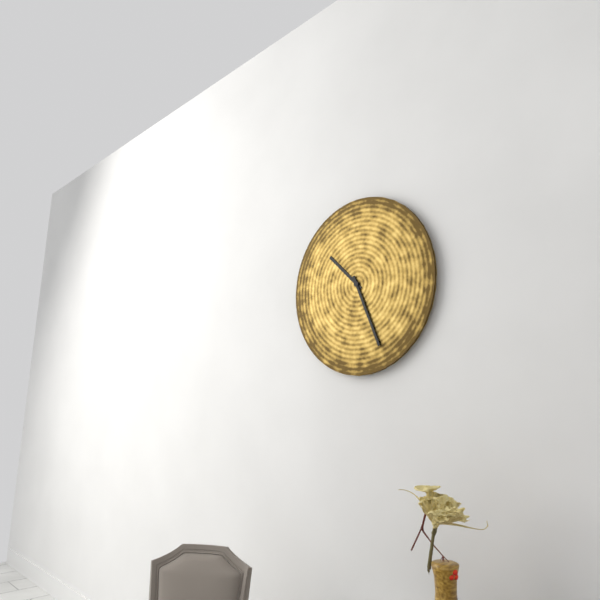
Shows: 10:26
